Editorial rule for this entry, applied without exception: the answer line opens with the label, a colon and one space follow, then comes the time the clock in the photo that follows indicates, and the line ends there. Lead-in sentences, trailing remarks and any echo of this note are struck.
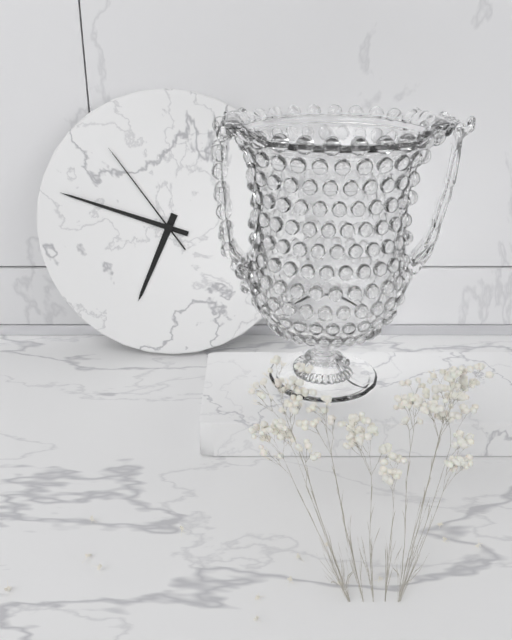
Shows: 6:48:54
